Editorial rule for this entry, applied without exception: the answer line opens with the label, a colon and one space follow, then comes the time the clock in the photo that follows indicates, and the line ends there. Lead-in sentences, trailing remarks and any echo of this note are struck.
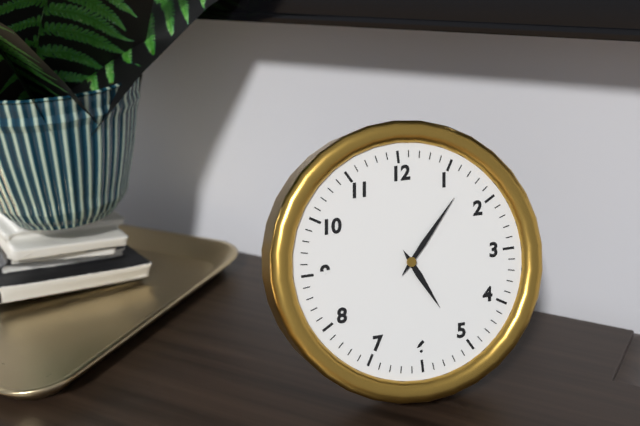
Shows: 5:07
